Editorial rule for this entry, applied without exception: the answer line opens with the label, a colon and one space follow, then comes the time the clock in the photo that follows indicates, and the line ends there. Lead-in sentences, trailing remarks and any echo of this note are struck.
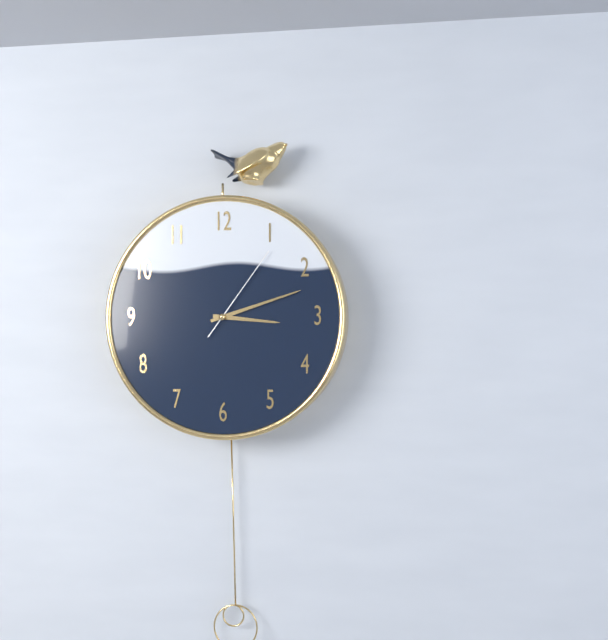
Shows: 3:12:06
